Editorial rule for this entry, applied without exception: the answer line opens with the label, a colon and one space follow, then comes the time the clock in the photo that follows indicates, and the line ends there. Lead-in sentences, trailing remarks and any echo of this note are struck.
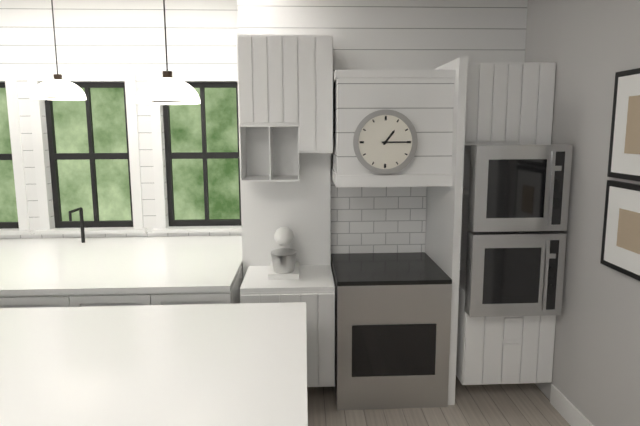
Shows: 1:15
